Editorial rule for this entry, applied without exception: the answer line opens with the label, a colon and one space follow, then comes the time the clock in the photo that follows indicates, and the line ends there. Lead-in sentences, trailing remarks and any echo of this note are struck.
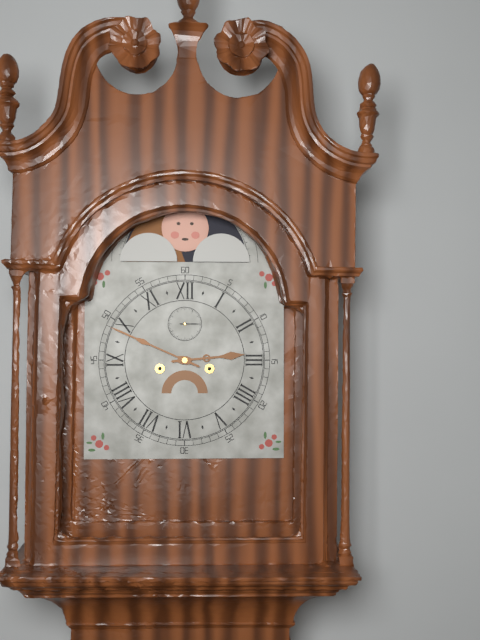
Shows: 2:49
